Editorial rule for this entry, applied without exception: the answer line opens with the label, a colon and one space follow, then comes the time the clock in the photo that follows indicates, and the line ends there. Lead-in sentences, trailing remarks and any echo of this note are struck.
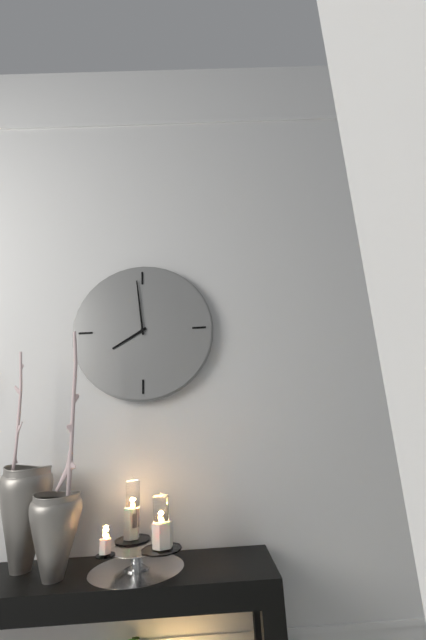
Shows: 7:59
